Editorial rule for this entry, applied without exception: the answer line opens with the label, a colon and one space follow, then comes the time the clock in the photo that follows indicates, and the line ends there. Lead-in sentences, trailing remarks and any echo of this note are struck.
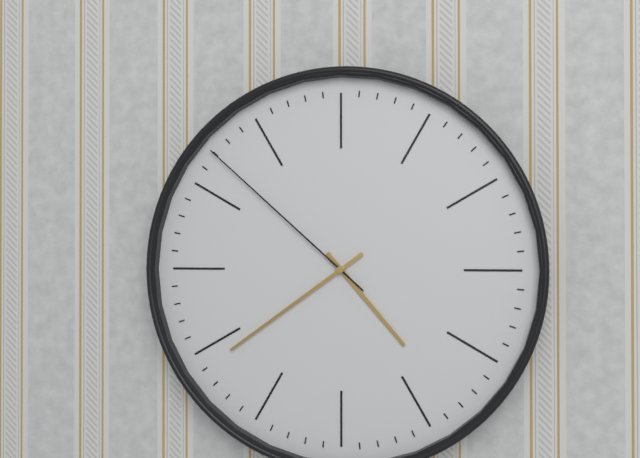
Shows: 4:39:52
